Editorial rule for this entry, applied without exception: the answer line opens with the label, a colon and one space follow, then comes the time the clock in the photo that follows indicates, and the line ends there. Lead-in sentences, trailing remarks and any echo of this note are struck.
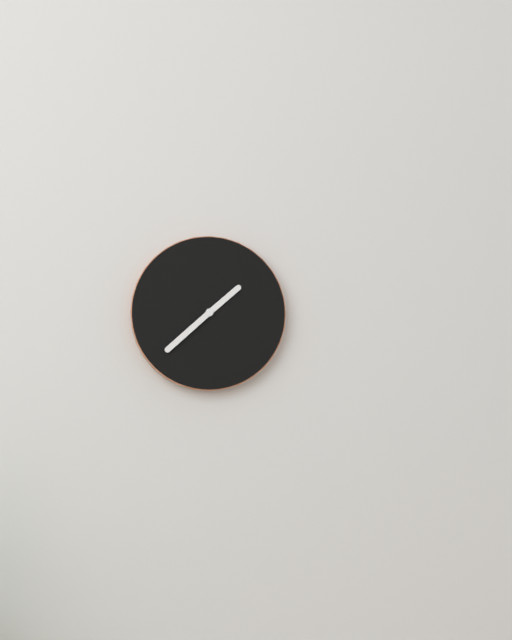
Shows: 1:38
